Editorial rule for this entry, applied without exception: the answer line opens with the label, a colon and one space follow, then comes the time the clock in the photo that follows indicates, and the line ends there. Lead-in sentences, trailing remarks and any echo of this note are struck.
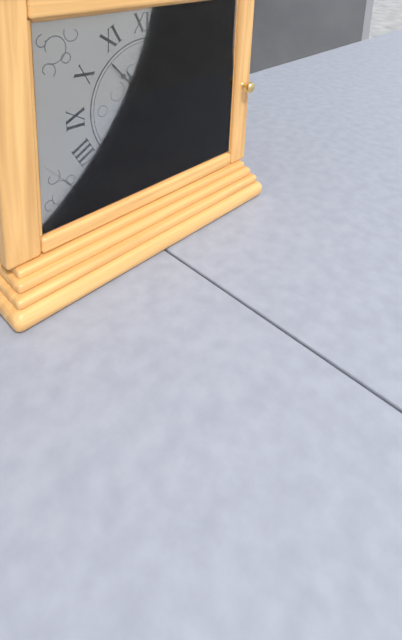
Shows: 10:53:13
